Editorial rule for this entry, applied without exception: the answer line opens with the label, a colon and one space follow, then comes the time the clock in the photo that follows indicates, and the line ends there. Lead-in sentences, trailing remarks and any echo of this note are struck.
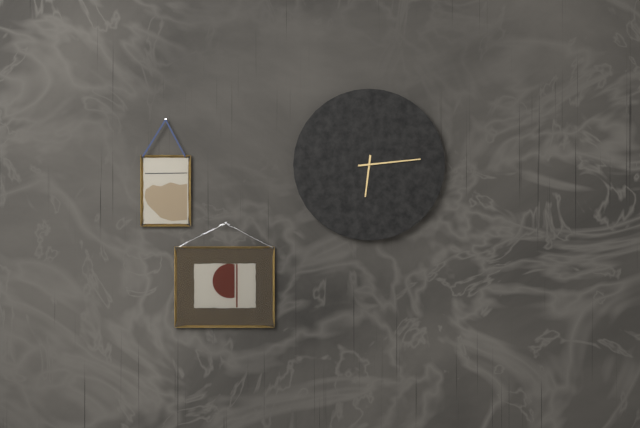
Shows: 6:14
